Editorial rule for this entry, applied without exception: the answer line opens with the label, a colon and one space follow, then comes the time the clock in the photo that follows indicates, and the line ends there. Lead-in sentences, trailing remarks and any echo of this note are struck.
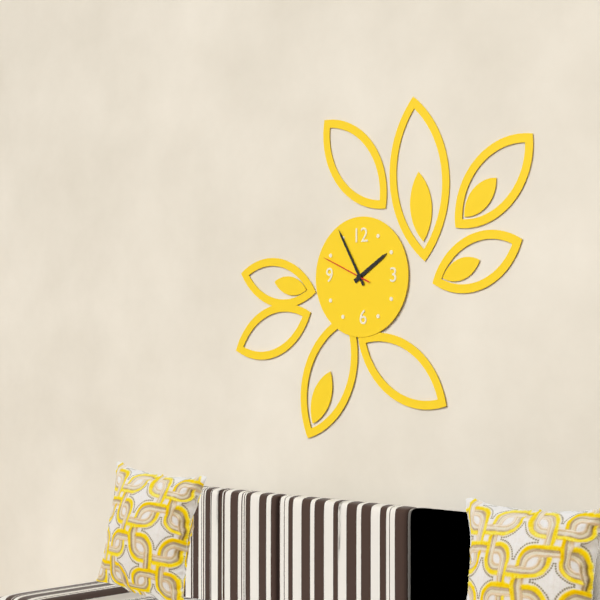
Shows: 1:55:49
